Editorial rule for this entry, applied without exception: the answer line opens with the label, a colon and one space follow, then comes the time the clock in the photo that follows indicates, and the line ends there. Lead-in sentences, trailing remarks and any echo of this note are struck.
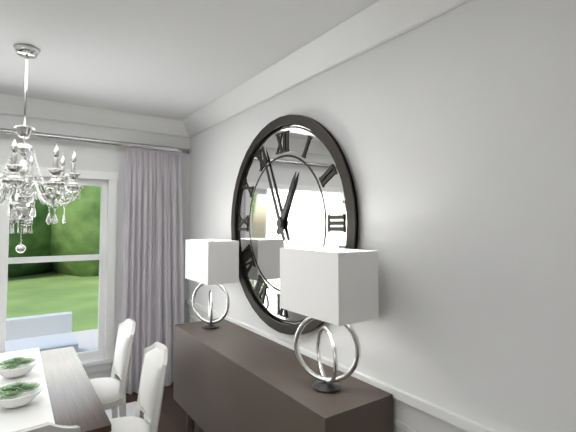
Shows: 12:56
